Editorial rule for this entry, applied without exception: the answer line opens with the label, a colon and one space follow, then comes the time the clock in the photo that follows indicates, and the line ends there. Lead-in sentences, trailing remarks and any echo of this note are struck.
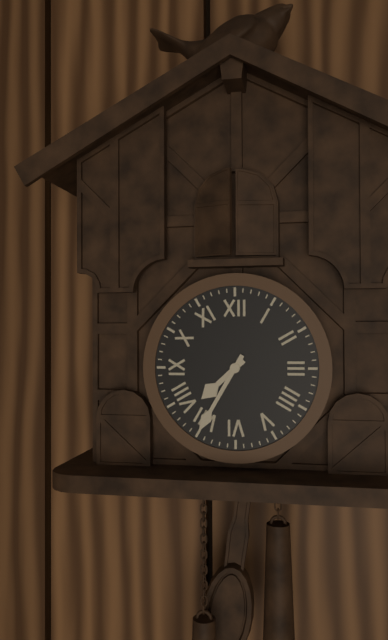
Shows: 7:35
